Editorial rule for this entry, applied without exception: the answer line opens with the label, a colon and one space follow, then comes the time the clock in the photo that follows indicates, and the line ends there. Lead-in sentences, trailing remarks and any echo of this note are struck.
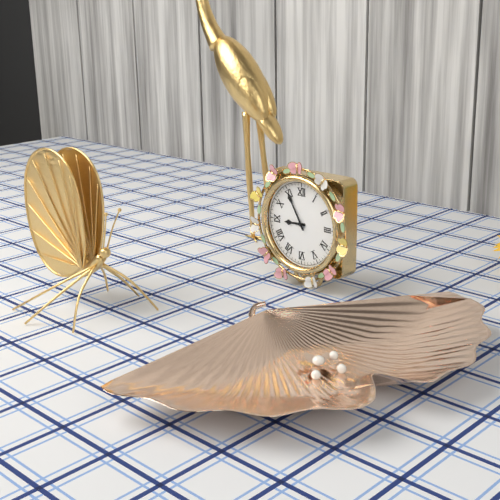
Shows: 8:55
